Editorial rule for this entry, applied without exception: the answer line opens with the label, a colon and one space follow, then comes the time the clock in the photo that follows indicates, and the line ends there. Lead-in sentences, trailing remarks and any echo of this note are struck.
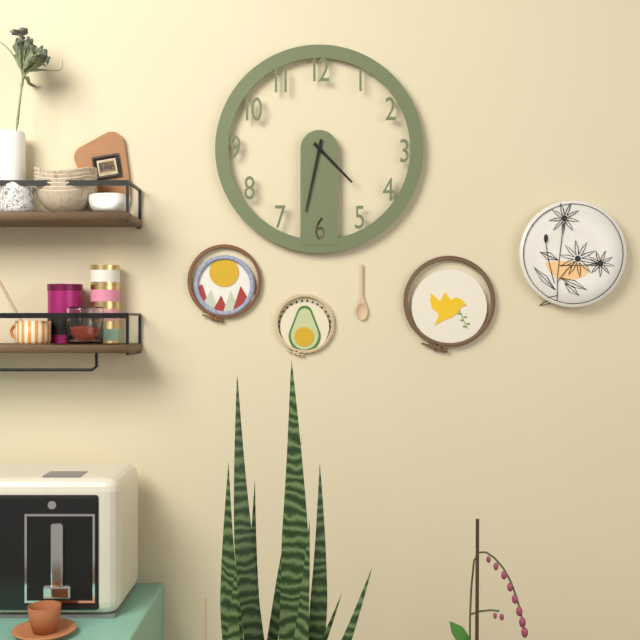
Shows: 4:32
